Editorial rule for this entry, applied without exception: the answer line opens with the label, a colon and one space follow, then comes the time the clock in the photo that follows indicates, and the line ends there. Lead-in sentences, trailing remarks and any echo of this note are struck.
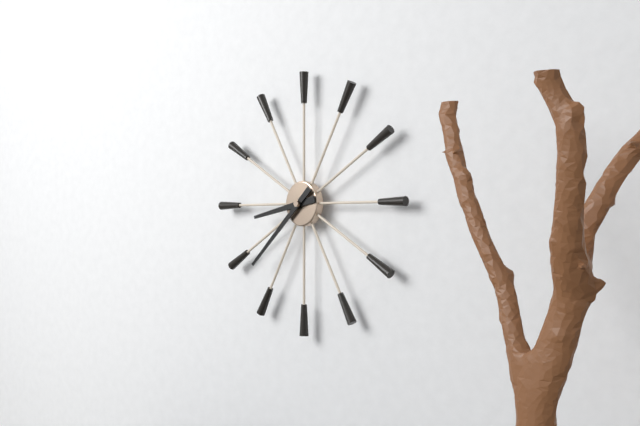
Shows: 8:38
